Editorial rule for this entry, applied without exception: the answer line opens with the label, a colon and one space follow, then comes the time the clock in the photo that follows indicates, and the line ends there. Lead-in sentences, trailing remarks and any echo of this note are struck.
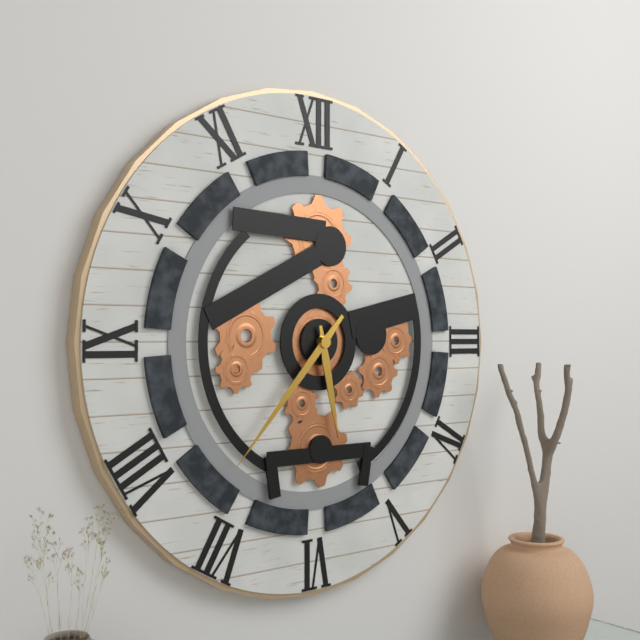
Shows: 5:37
